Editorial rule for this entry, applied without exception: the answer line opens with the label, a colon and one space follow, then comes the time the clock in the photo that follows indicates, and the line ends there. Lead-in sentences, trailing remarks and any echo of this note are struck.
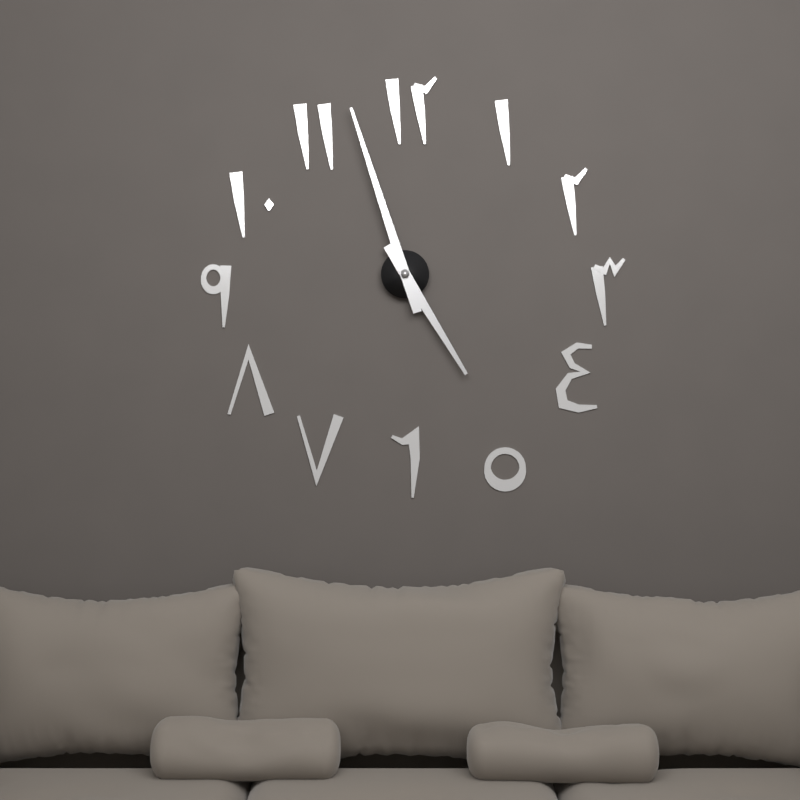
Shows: 4:57
